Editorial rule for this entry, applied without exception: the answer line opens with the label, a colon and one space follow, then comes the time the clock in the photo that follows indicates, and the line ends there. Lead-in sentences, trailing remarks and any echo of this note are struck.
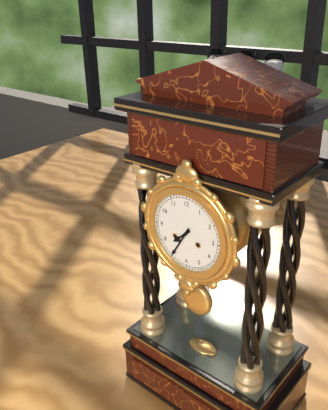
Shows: 7:35
